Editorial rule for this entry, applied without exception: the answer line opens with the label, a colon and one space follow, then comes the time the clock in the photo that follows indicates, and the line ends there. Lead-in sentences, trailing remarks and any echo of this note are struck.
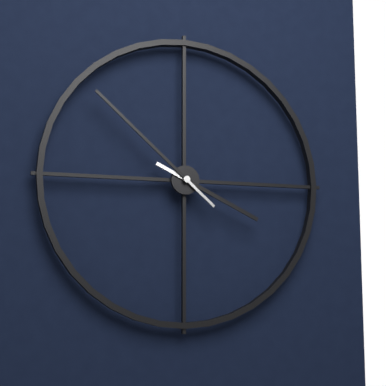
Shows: 3:52
